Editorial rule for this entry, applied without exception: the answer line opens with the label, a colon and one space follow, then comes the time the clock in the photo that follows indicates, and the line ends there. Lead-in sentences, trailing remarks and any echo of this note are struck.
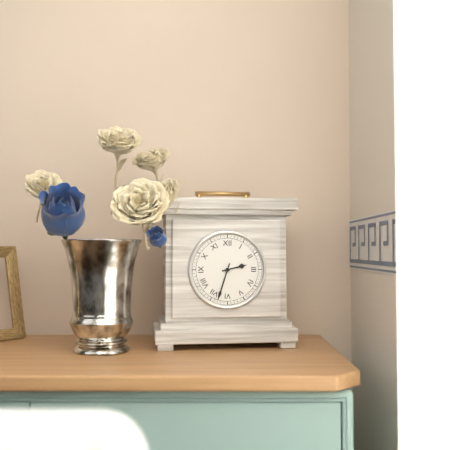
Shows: 2:33
